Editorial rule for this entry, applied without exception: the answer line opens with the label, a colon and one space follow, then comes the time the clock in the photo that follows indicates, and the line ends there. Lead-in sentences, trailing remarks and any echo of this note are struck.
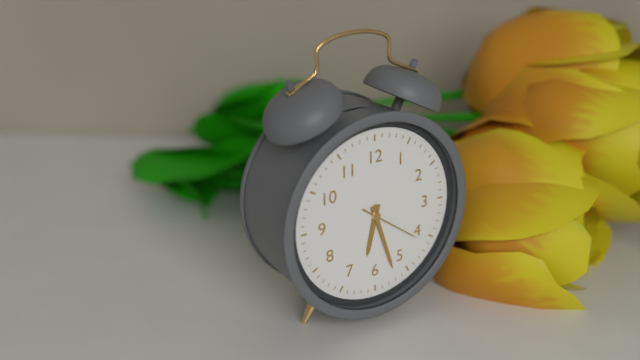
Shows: 6:27:21
